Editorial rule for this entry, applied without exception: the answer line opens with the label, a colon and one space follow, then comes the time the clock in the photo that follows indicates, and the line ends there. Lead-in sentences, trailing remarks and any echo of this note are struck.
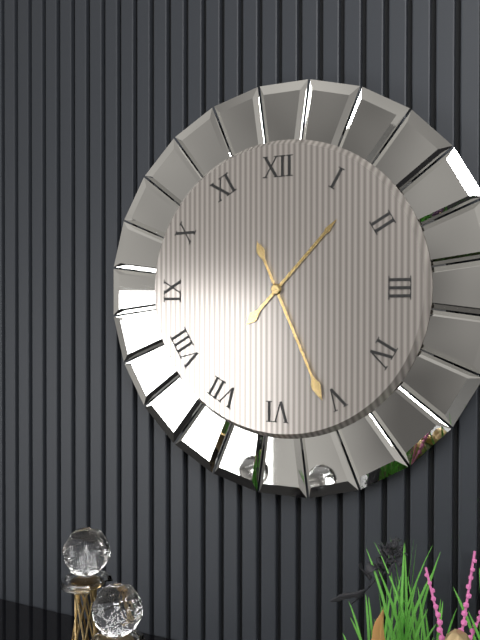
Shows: 1:26
